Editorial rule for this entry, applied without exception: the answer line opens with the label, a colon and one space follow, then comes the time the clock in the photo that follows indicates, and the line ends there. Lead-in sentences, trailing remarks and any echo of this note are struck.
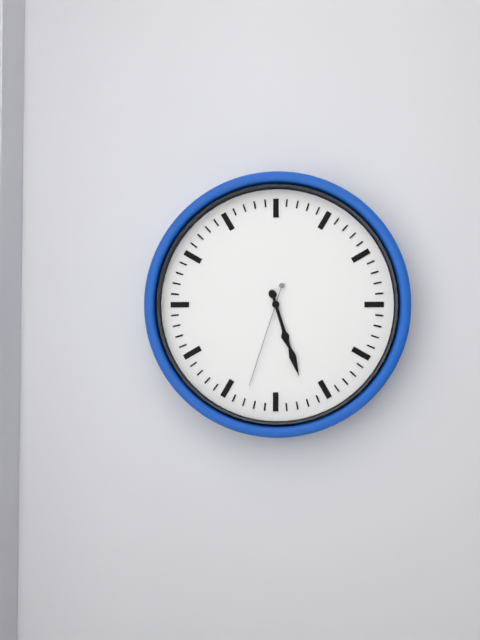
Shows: 5:27:33
